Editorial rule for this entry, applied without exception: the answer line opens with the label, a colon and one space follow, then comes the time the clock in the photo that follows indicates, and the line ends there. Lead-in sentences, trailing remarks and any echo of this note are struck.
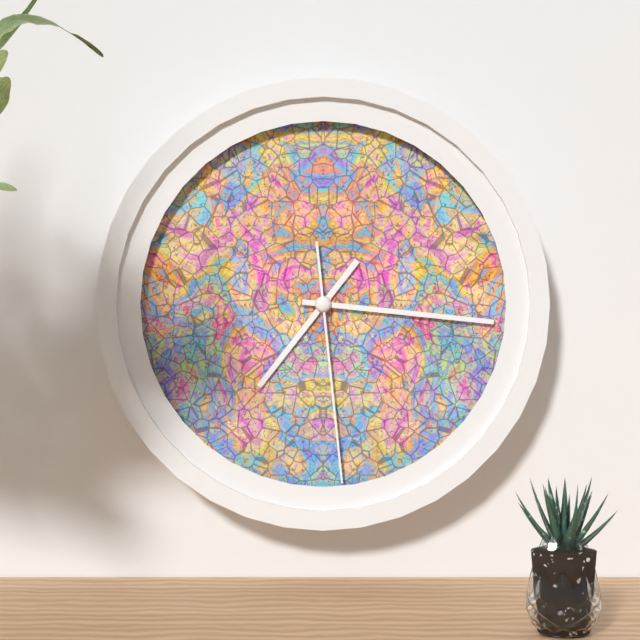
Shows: 7:16:29
